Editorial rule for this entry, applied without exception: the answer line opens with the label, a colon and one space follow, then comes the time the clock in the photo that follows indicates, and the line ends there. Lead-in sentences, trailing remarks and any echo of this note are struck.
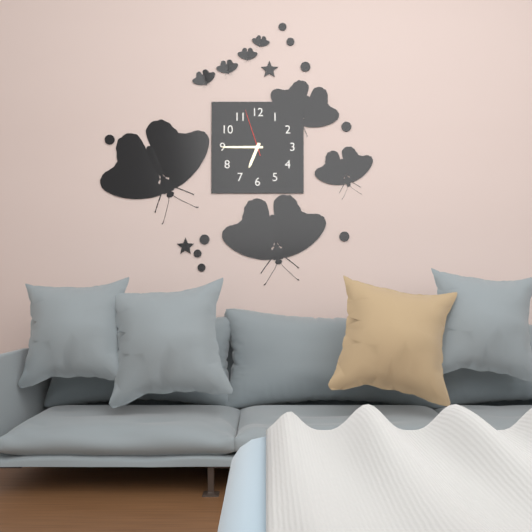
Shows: 6:45:57
